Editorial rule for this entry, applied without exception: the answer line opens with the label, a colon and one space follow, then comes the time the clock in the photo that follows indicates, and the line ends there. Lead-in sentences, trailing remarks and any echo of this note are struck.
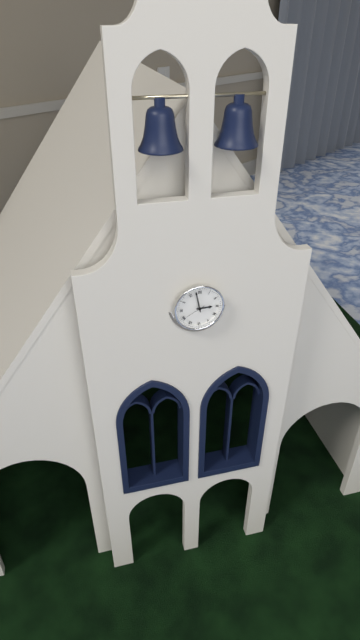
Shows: 2:58
